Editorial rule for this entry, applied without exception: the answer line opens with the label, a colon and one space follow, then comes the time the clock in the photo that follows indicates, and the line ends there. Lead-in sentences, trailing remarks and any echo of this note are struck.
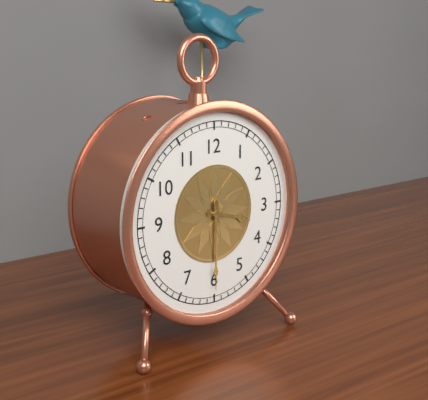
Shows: 3:30
